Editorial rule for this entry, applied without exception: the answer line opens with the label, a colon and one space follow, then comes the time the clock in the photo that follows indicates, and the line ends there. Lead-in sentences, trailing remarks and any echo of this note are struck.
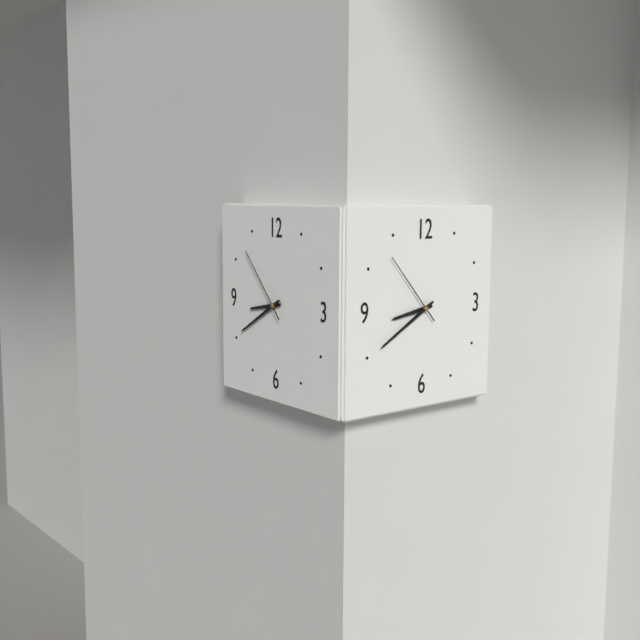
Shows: 8:40:53
